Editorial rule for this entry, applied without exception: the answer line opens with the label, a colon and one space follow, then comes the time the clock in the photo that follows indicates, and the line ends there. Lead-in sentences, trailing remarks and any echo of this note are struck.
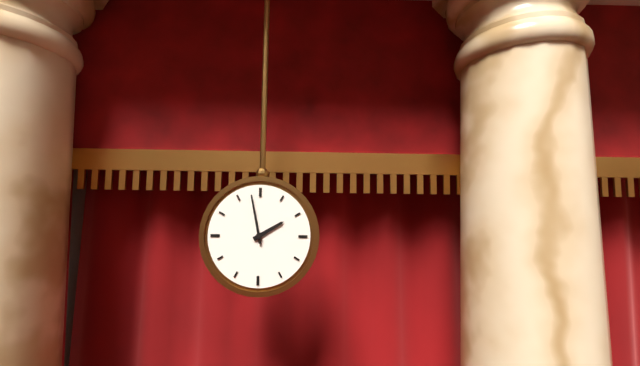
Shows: 1:58
